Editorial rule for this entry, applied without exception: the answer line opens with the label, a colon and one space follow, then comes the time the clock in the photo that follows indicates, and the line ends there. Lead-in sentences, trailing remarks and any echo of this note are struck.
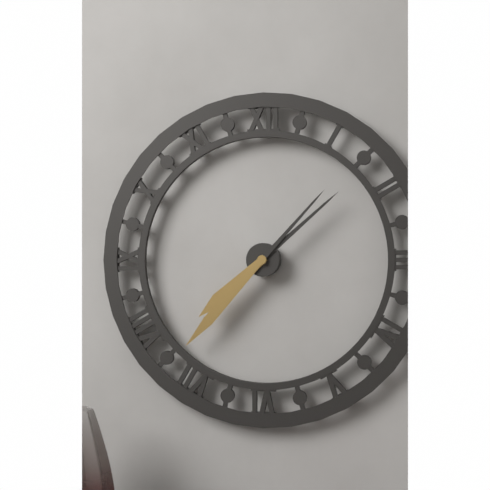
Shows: 7:37
